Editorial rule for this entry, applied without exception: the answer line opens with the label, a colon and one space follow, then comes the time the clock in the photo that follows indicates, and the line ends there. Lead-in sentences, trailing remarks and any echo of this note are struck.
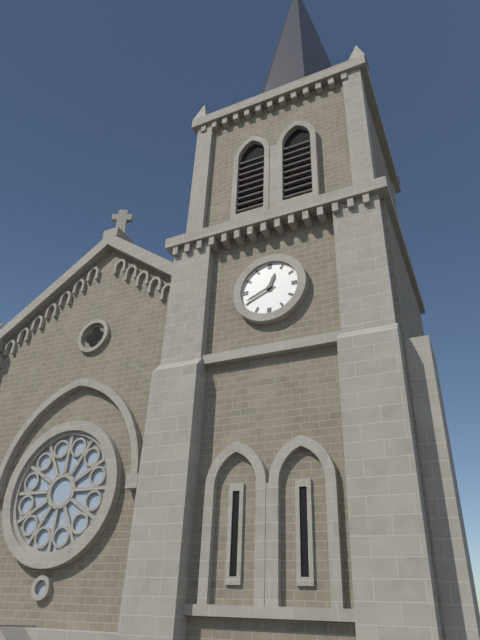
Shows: 12:41
